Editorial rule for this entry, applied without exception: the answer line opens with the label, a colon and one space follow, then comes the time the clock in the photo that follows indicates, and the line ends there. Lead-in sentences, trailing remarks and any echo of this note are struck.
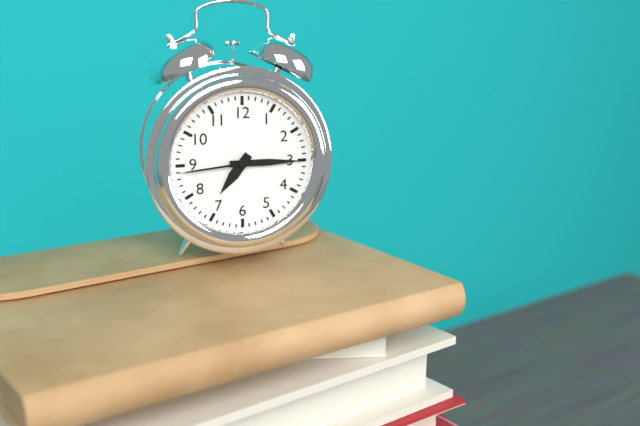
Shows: 7:15:44
